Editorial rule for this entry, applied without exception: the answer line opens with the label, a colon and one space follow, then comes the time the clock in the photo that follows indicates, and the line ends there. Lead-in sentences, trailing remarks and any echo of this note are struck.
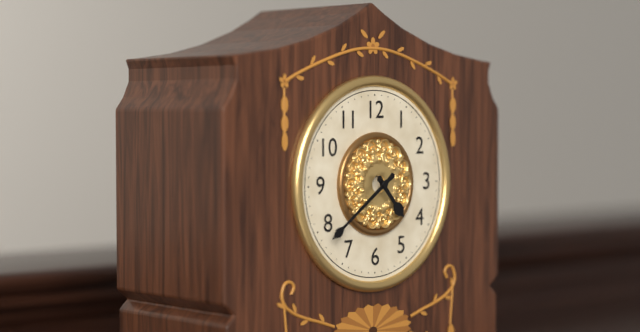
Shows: 4:39
